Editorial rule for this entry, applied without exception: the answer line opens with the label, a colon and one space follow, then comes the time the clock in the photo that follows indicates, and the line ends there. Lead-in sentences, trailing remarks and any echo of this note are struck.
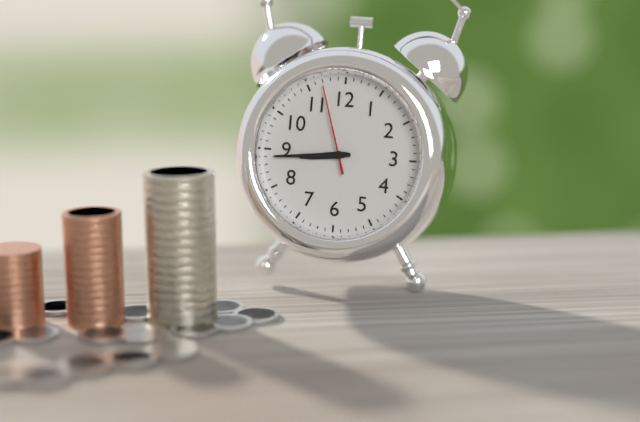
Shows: 8:44:57
